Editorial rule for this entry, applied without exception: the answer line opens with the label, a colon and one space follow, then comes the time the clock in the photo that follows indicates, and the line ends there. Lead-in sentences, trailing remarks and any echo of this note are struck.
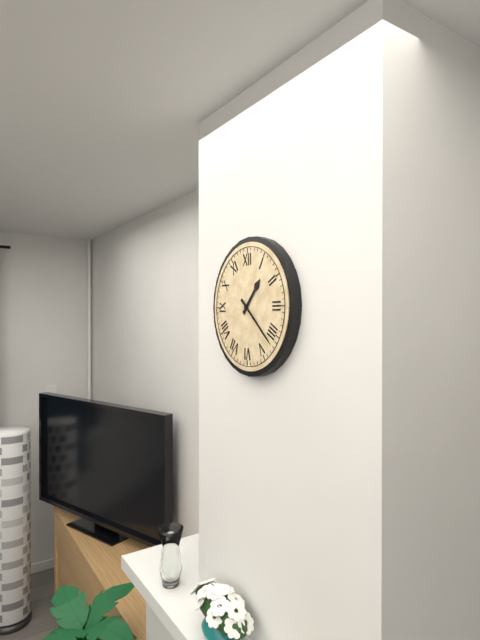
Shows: 1:22
